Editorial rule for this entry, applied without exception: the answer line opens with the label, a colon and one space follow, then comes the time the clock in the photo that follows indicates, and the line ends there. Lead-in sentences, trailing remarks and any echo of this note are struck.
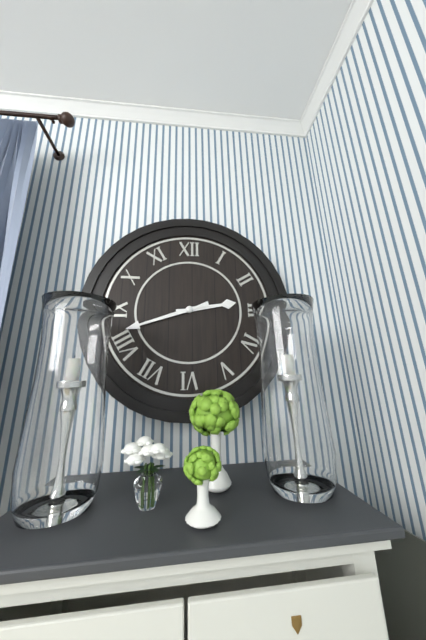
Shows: 2:42
